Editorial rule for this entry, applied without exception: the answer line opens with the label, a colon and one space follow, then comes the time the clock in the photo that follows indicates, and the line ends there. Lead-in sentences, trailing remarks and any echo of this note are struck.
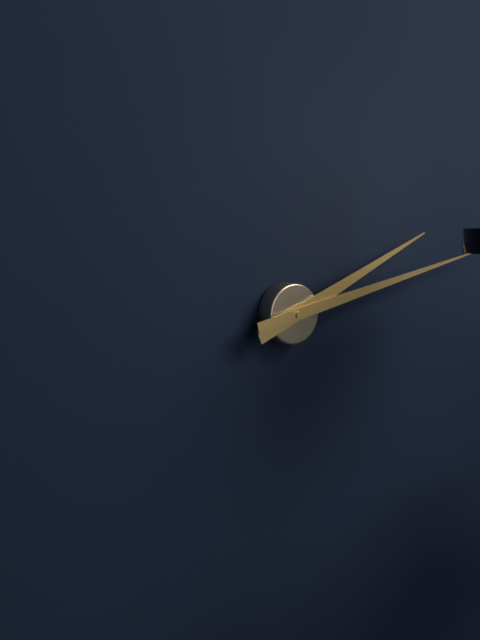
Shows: 2:13
